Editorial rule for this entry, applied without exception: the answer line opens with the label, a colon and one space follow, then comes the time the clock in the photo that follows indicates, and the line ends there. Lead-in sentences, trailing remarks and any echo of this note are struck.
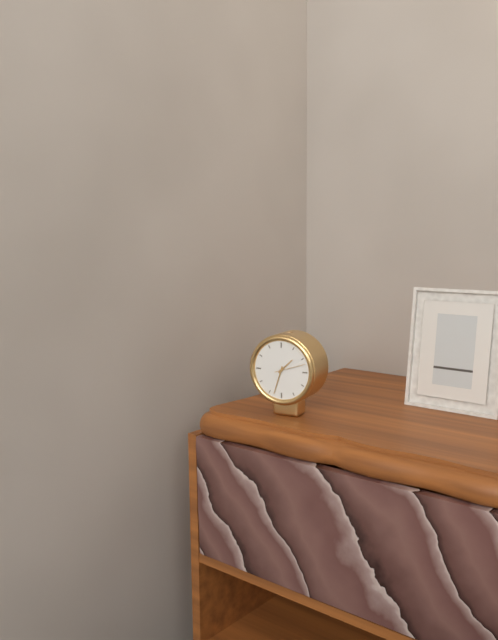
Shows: 1:33
